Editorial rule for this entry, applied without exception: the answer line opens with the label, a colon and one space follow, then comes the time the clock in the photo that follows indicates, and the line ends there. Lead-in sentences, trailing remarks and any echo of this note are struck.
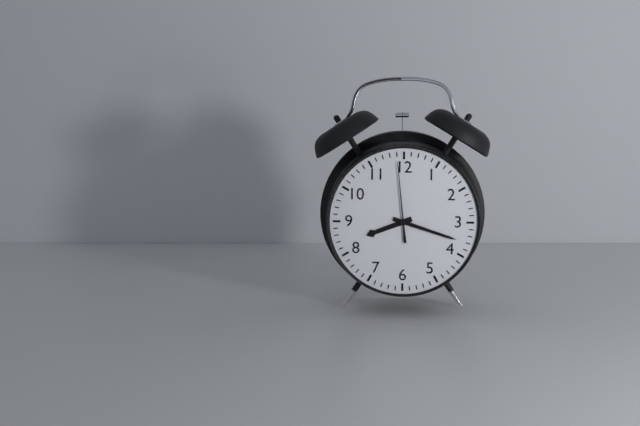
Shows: 8:18:59
